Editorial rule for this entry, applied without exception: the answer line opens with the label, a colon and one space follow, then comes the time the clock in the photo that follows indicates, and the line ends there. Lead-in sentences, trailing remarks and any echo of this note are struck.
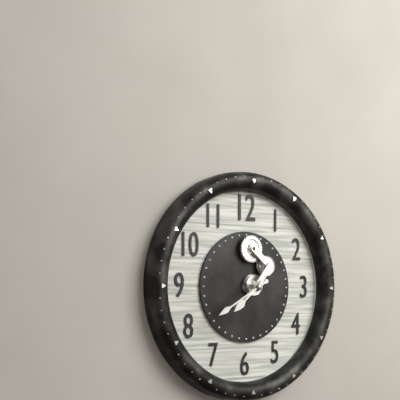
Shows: 7:40
